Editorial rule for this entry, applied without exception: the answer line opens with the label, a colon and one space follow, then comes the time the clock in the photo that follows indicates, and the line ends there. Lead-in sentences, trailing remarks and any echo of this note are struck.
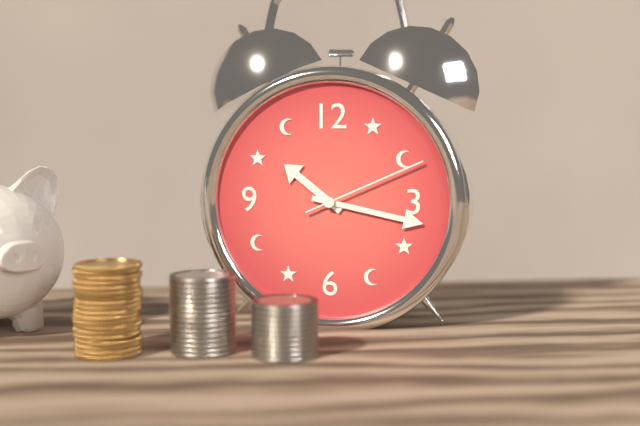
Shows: 10:17:11
